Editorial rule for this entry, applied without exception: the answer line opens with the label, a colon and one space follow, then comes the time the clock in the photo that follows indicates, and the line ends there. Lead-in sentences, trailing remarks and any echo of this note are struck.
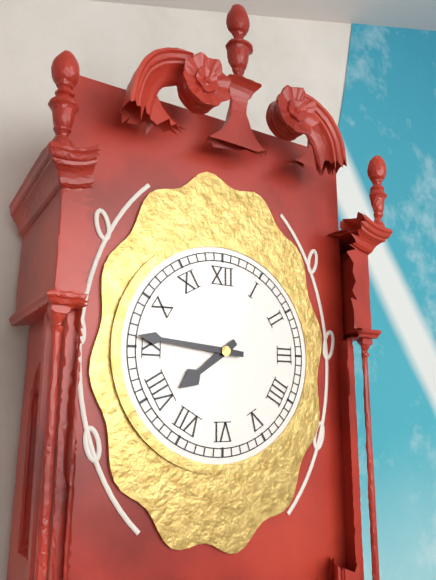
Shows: 7:46
